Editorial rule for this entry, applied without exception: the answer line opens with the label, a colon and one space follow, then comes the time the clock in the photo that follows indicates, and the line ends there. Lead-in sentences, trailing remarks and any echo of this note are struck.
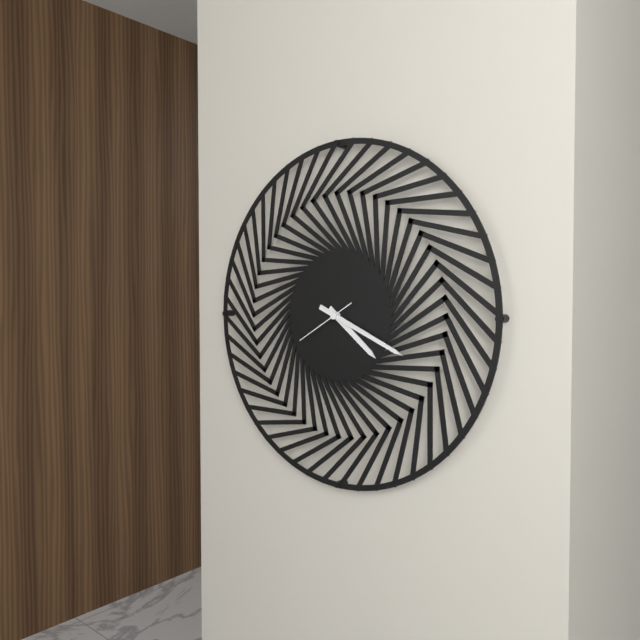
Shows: 4:19:40
